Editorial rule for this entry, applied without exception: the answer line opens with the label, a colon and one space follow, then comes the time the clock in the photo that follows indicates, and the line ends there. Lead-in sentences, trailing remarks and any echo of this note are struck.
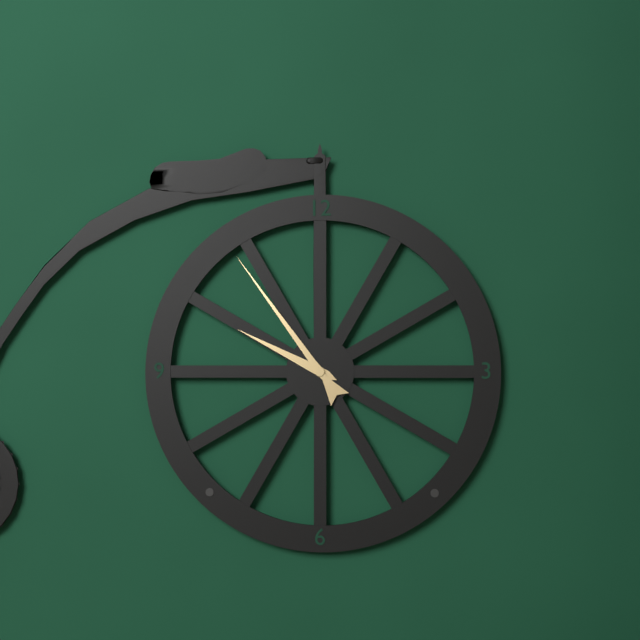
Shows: 9:54
